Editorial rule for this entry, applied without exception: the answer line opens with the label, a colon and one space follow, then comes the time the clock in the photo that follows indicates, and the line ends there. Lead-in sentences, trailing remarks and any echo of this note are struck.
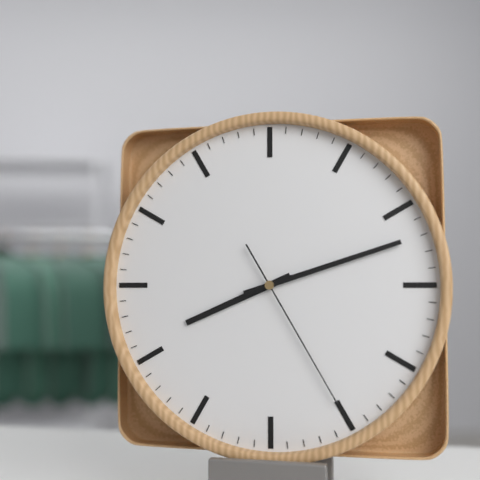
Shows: 8:12:25
